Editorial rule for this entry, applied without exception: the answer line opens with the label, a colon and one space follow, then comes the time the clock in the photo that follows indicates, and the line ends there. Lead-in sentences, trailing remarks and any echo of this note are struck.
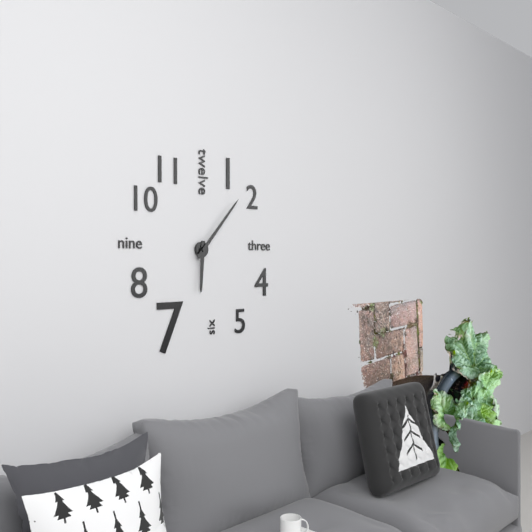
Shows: 6:07
